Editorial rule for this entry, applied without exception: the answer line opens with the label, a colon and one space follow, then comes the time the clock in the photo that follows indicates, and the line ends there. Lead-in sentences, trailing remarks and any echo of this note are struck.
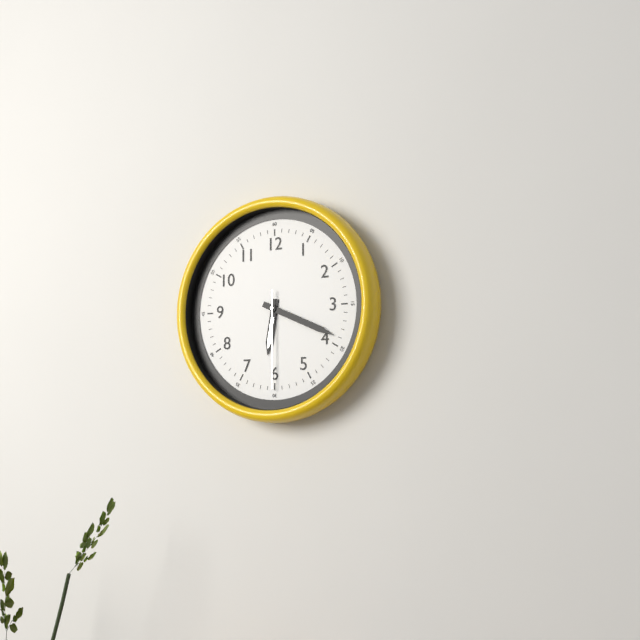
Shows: 6:19:30
